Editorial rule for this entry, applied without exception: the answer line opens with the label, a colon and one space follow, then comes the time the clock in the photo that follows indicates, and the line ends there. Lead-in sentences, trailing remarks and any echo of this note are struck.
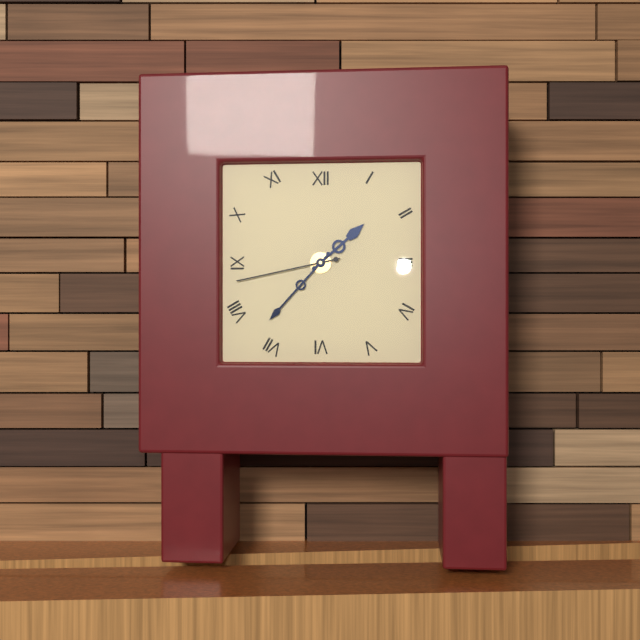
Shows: 1:37:43
